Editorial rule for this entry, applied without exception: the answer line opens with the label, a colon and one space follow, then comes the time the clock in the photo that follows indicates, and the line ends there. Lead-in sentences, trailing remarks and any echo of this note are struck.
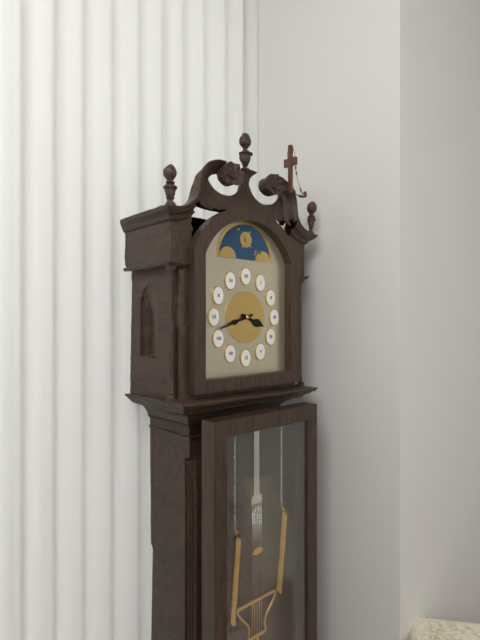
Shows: 3:42
